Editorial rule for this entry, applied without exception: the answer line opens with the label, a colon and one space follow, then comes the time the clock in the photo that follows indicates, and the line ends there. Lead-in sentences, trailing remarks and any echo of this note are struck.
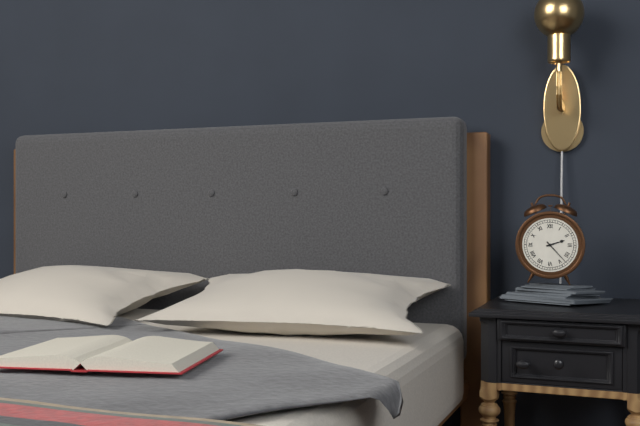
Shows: 2:23
